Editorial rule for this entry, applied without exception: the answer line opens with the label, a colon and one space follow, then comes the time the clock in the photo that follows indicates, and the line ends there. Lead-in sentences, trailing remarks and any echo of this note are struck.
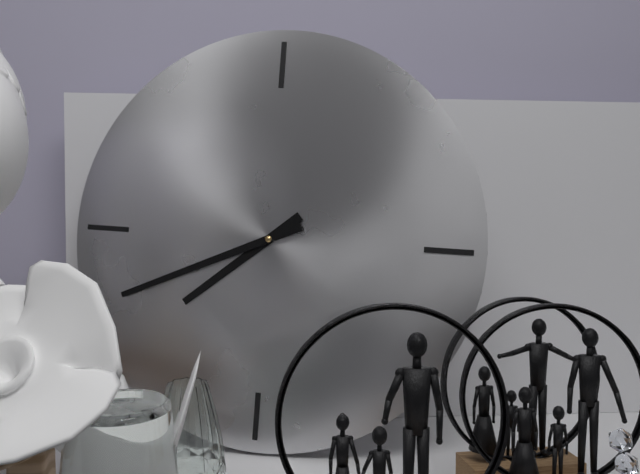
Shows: 7:41
